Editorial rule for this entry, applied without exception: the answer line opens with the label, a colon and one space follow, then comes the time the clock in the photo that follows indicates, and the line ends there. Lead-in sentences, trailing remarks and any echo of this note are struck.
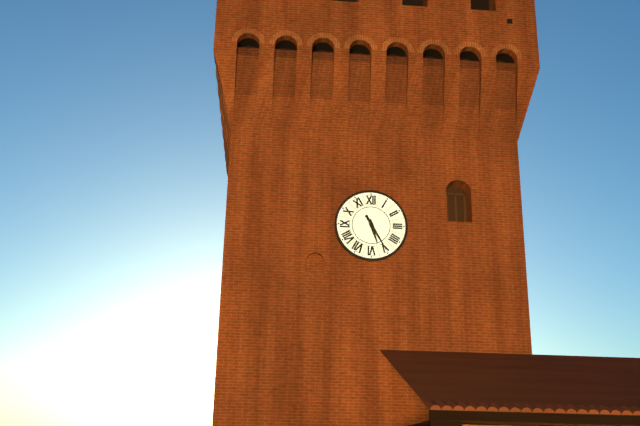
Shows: 5:25
